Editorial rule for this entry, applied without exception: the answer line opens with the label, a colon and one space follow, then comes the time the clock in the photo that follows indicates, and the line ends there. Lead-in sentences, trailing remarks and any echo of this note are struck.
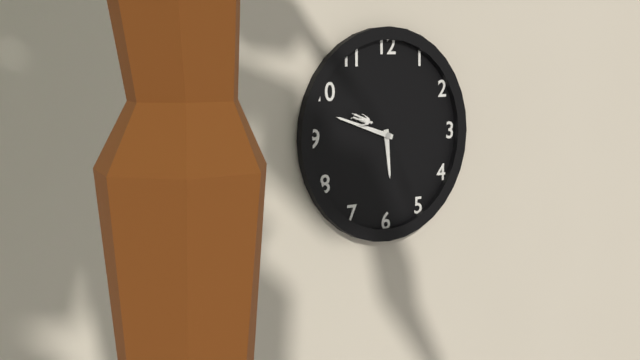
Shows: 5:48
